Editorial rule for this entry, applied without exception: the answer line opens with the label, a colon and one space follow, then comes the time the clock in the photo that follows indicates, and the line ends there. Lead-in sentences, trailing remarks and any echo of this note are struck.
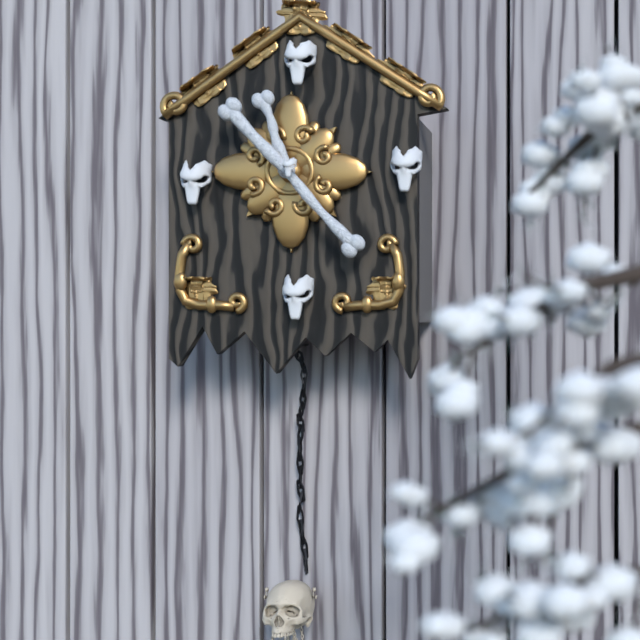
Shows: 11:23
